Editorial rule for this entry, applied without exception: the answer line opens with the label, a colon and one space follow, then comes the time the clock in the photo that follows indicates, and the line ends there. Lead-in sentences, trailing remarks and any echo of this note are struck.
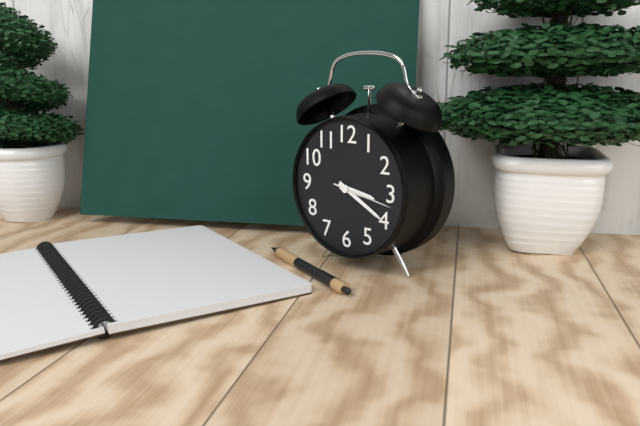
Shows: 3:20:17
